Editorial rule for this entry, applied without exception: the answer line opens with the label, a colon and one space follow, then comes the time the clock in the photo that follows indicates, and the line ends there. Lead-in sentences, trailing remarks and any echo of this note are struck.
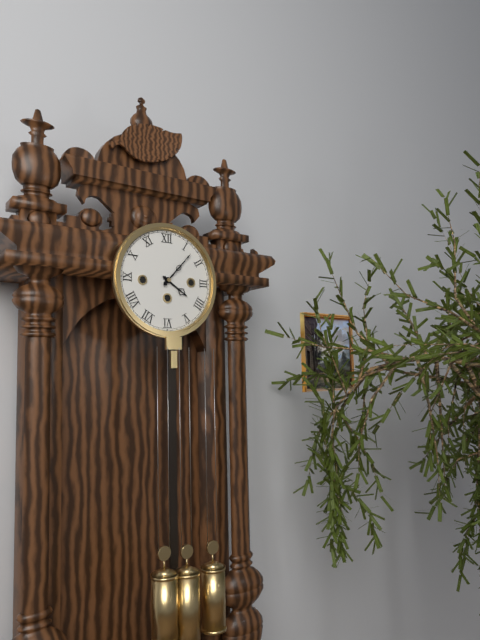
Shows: 4:07
